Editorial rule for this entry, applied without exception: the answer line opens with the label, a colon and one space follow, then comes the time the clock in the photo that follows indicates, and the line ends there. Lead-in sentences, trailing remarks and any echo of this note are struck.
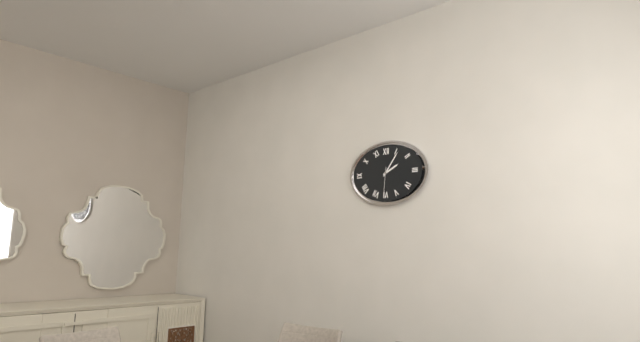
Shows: 2:06
